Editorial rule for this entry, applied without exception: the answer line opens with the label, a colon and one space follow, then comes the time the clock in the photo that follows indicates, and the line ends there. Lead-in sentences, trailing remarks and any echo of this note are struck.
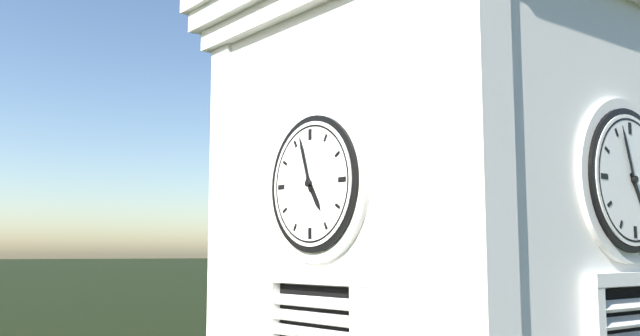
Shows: 4:57
